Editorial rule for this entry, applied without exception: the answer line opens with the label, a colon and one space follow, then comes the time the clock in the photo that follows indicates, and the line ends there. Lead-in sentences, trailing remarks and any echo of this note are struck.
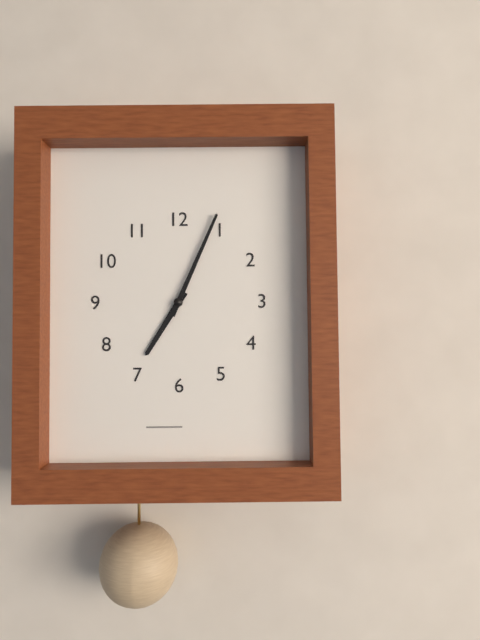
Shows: 7:04
